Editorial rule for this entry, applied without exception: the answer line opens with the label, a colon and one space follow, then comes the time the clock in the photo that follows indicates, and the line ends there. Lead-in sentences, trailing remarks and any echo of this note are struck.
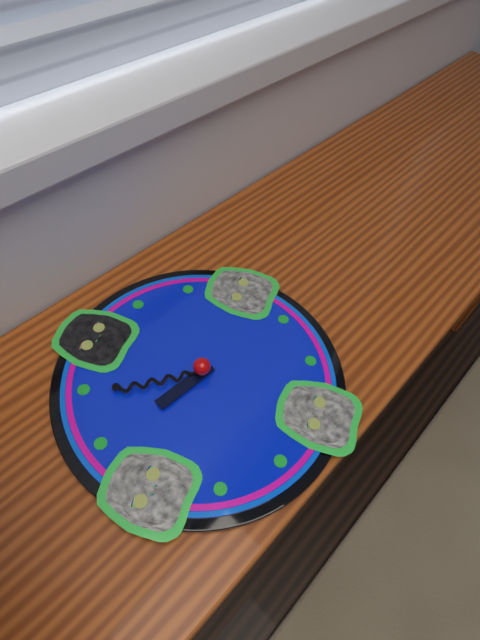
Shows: 9:54
